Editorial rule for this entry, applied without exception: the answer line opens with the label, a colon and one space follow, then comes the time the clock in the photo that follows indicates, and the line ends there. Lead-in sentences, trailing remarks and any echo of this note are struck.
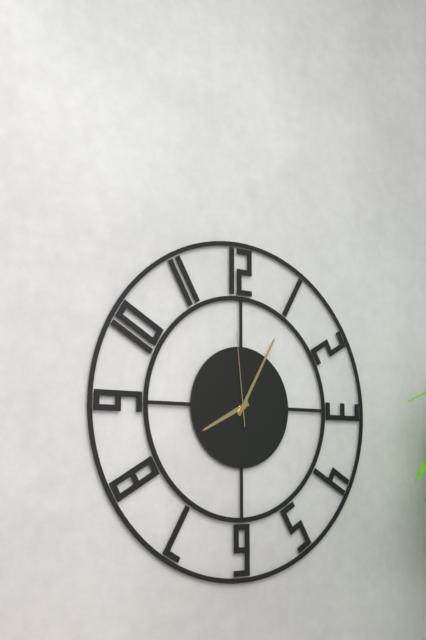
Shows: 8:05:59
